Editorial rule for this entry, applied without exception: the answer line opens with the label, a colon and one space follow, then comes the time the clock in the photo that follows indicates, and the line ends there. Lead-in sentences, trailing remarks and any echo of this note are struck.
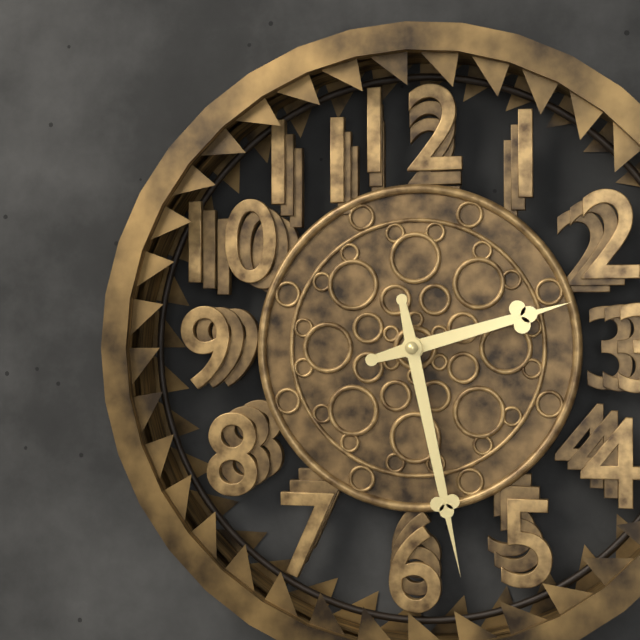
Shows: 2:28
